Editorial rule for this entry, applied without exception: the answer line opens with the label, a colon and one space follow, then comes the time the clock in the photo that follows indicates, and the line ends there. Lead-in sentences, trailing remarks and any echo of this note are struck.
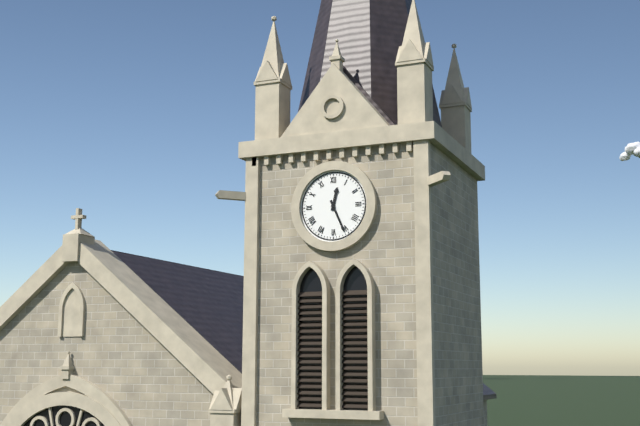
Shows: 12:26
